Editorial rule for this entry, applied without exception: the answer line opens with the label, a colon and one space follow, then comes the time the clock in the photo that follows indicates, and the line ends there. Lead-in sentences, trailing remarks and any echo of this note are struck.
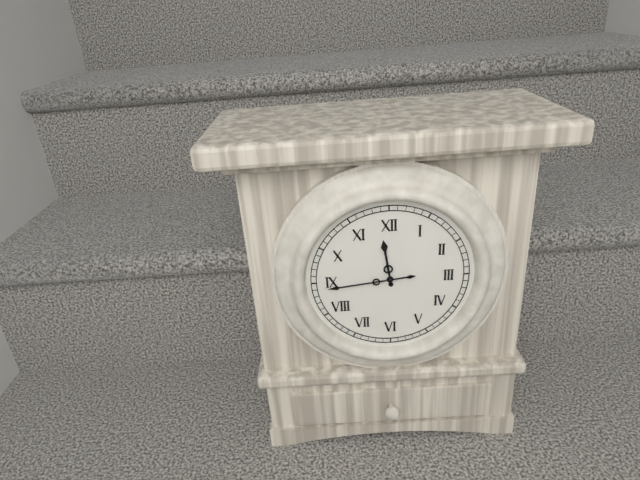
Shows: 11:44
